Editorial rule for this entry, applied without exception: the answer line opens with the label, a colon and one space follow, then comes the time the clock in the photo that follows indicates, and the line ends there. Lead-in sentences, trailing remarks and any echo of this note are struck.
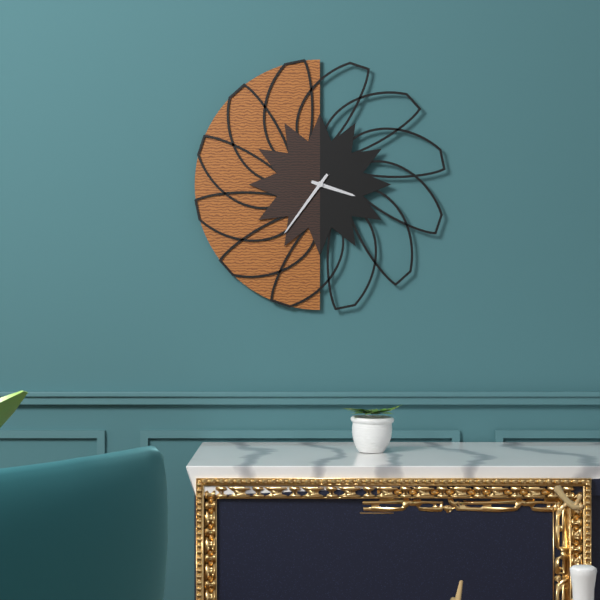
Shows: 3:36
